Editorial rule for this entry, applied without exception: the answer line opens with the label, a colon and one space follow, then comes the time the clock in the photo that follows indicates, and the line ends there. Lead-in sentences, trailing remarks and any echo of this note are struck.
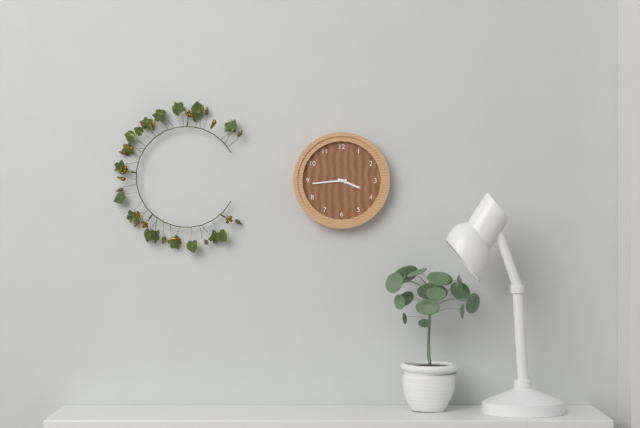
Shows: 3:44
